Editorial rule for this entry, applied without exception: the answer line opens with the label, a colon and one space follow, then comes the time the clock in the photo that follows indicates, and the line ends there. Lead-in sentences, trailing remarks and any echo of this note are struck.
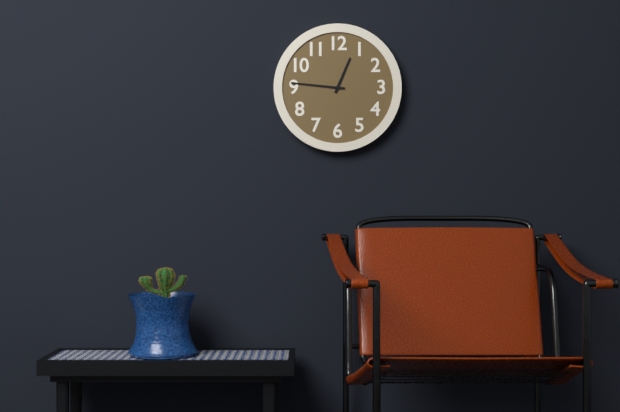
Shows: 12:46
